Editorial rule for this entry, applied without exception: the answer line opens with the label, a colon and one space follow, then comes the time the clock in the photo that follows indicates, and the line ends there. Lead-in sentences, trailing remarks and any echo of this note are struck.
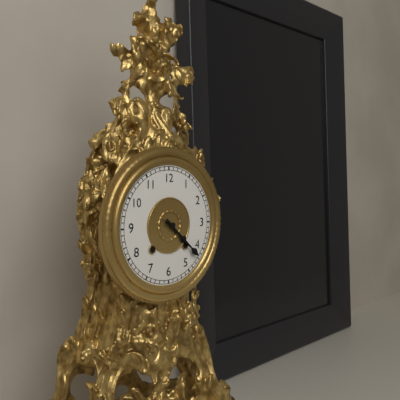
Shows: 4:22
